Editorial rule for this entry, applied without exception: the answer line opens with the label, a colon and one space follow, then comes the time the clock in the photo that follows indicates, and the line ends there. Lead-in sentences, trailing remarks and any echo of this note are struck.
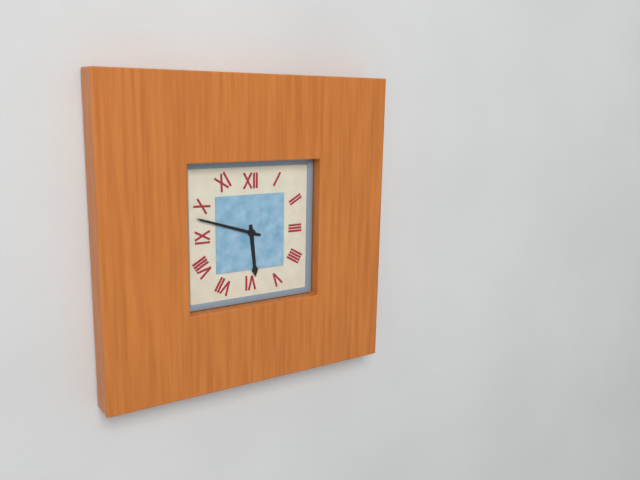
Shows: 5:48
